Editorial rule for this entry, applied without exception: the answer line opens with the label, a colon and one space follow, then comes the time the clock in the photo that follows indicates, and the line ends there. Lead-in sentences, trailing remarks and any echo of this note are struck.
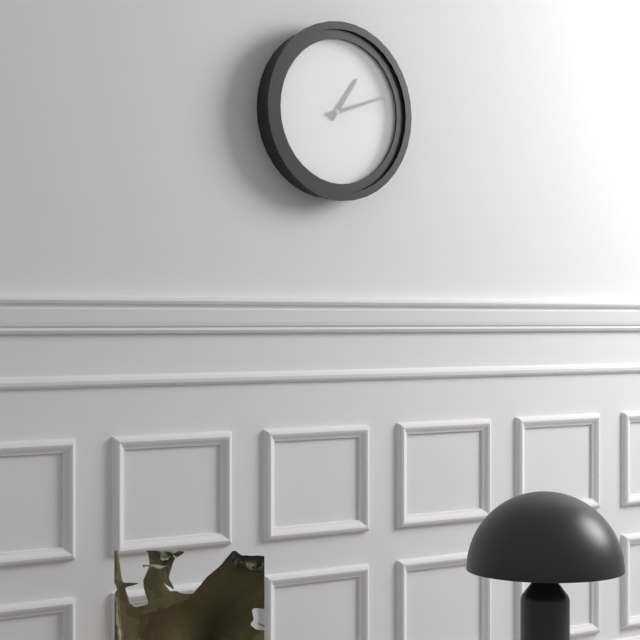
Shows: 1:12
